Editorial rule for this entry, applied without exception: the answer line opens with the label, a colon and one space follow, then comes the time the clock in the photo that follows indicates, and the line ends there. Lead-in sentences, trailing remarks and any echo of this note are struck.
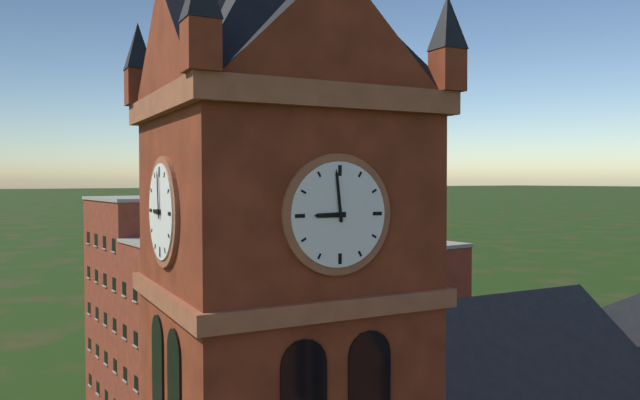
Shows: 8:59
